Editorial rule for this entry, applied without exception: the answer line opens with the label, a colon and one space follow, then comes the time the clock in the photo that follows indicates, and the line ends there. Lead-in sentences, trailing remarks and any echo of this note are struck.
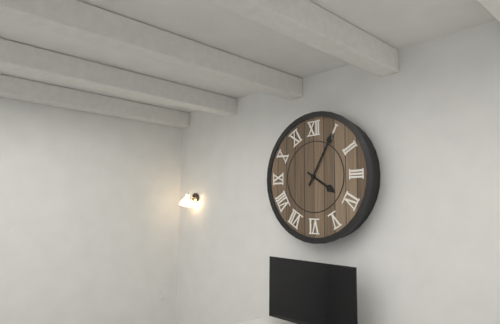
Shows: 4:05
